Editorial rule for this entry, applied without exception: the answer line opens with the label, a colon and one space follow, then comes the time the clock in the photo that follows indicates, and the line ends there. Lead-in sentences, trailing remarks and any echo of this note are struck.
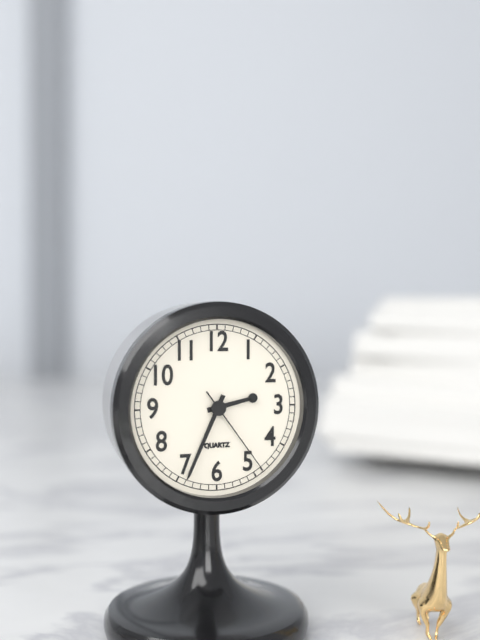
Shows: 2:34:24
